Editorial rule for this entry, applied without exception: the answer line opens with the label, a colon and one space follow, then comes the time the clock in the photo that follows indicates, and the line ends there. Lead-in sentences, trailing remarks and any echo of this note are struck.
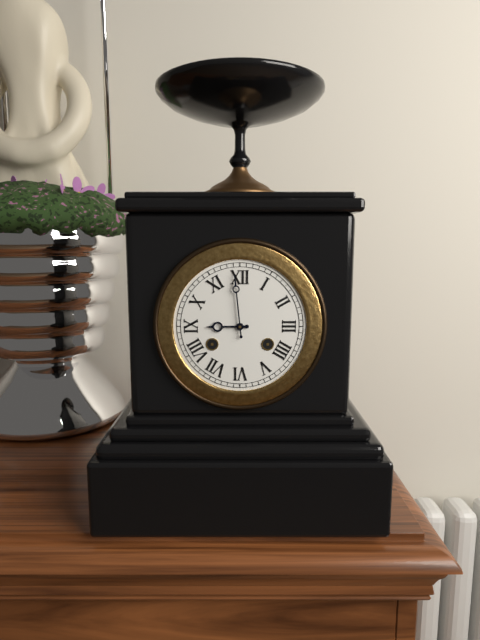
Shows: 8:59
